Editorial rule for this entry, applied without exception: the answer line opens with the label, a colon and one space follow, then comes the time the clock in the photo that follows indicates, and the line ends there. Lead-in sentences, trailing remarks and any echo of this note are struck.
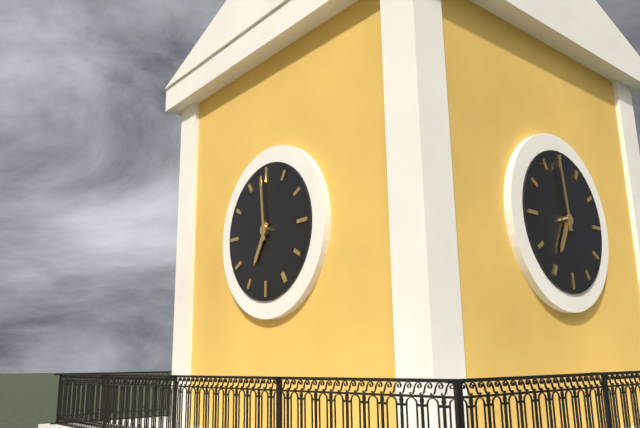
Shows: 6:59
